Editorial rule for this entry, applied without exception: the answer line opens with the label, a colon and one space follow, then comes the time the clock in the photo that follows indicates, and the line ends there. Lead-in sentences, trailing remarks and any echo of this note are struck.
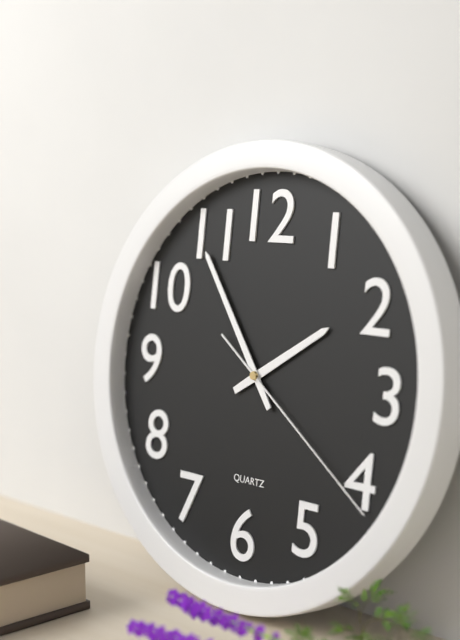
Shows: 1:54:21
